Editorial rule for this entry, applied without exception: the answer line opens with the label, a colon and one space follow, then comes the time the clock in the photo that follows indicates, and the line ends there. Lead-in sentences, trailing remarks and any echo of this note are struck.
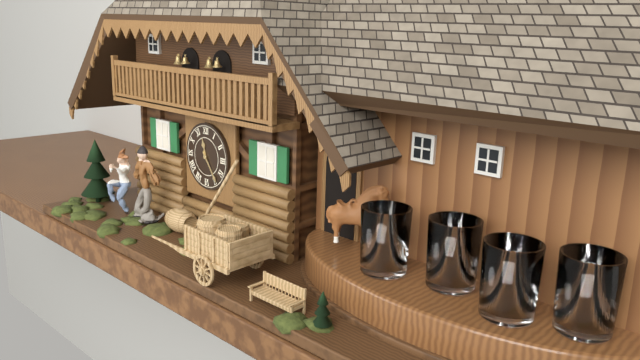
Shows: 11:24
